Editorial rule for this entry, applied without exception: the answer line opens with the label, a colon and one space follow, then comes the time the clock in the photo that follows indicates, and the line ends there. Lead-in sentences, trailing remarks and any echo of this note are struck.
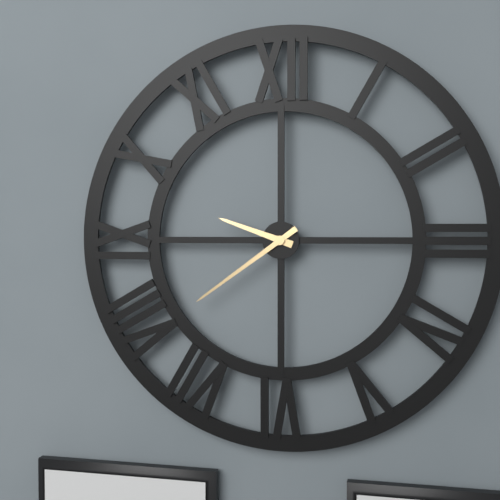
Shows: 9:39
